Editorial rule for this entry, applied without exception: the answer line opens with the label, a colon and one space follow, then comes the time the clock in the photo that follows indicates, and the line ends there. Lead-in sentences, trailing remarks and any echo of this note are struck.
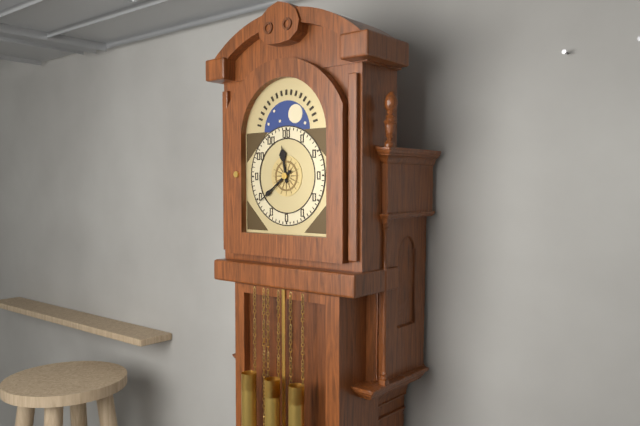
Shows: 11:39
